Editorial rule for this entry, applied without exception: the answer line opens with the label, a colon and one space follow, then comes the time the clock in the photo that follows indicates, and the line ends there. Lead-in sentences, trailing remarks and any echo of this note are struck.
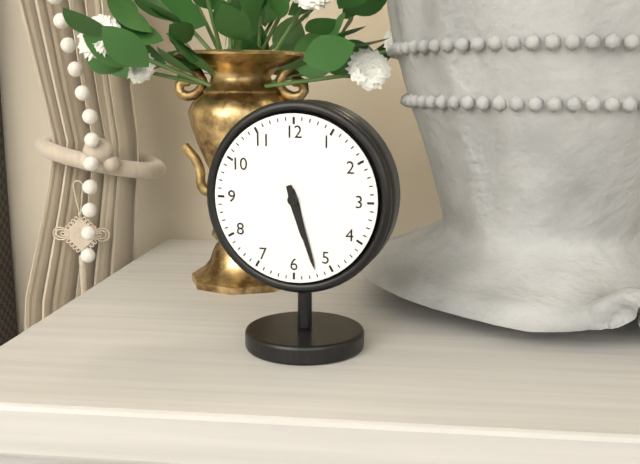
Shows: 5:27
